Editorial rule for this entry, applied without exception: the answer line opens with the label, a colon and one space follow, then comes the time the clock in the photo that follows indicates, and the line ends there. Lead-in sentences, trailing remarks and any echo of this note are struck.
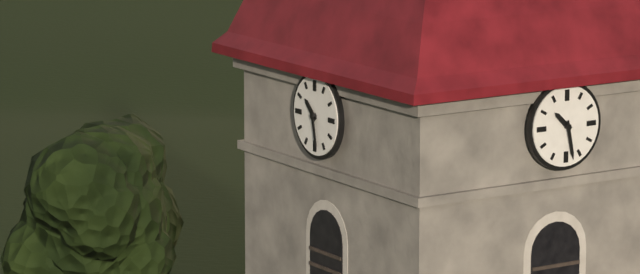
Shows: 10:28
